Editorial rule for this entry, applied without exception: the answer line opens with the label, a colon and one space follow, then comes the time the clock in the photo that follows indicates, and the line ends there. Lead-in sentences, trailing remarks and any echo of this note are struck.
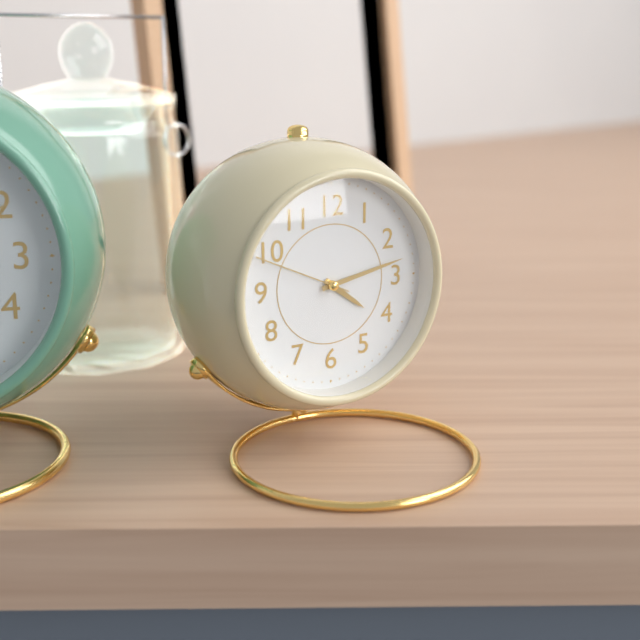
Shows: 4:13:49
